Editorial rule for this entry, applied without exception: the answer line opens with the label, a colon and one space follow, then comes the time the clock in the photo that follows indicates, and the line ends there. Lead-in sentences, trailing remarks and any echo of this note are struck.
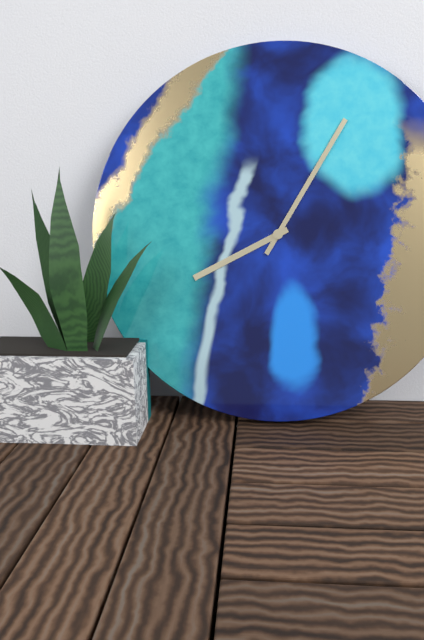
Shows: 8:05
